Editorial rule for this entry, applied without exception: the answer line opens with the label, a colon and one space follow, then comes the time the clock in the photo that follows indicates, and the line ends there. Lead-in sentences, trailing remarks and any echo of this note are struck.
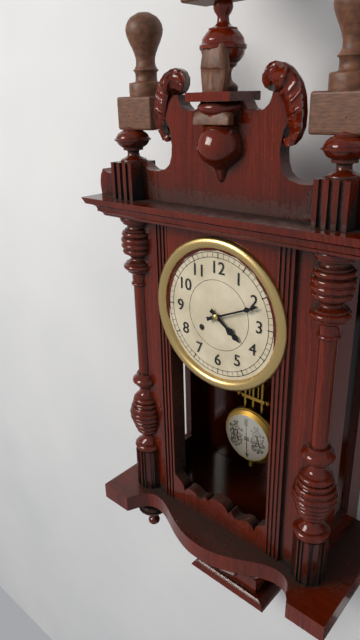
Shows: 4:11
